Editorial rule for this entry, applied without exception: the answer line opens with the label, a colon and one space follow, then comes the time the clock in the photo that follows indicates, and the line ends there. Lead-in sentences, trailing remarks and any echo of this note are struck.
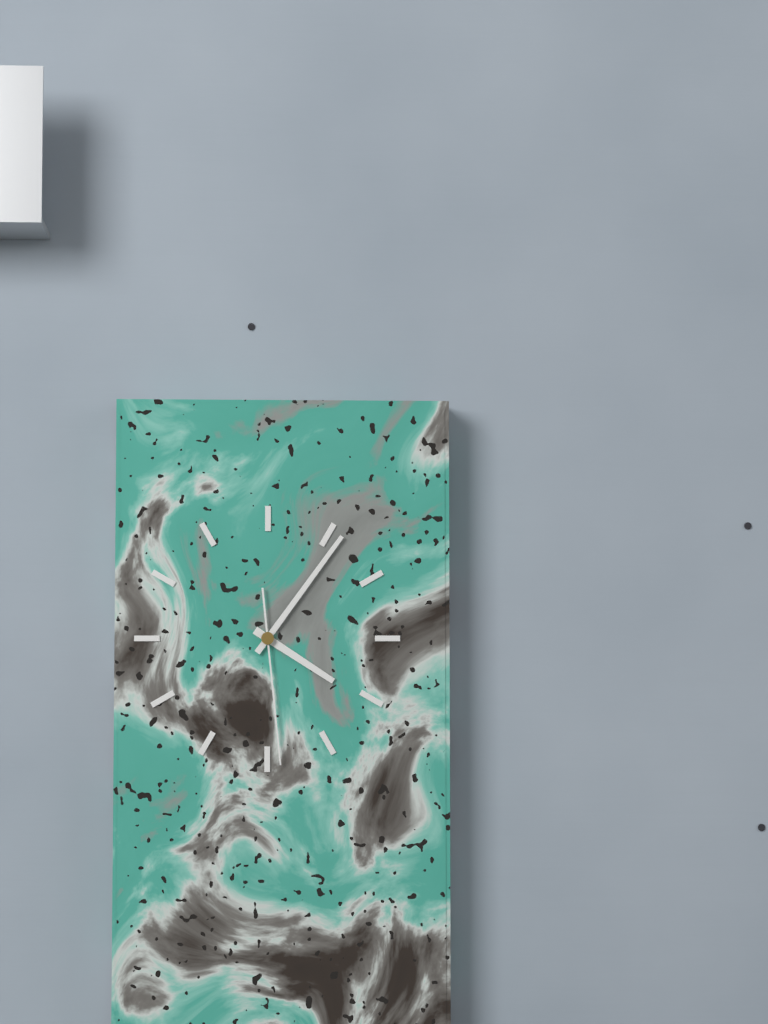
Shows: 4:06:29
